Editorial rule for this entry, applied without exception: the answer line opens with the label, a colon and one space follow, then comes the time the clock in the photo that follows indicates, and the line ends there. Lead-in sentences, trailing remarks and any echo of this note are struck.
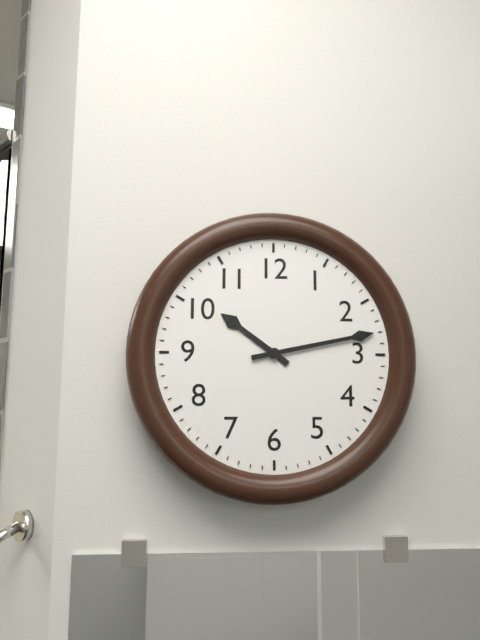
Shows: 10:13
